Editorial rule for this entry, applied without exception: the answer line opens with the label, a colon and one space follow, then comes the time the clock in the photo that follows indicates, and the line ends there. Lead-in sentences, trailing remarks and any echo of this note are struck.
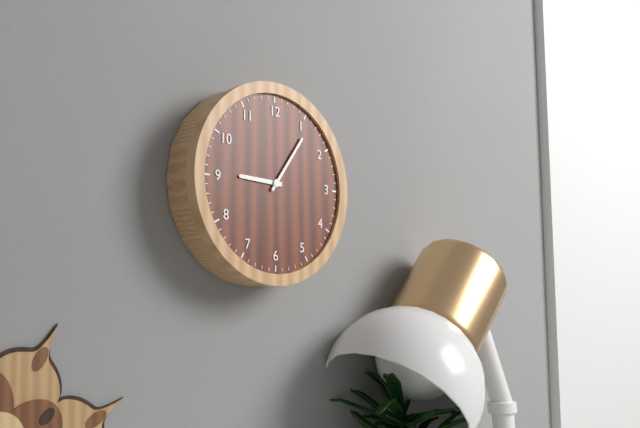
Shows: 9:06
